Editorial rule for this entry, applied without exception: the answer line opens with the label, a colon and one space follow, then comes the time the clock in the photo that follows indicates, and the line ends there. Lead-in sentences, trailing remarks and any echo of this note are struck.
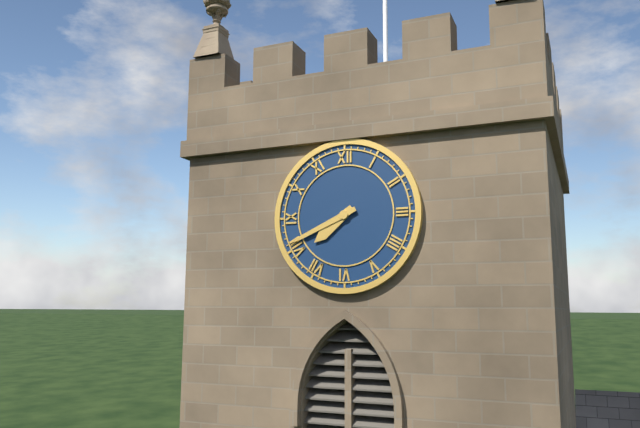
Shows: 7:41
